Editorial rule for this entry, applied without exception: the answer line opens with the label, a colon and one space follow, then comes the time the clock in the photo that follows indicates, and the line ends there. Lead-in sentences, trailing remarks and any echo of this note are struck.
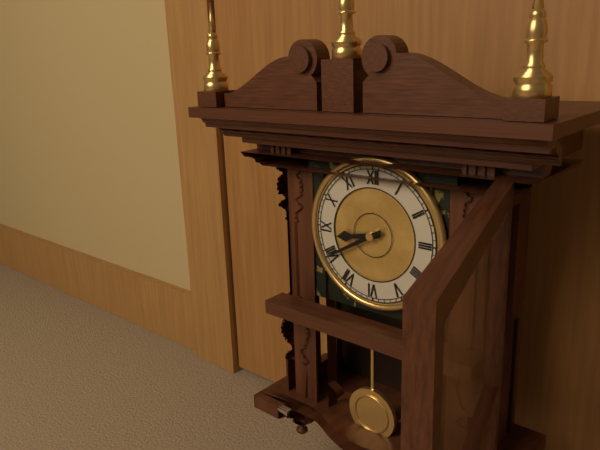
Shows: 8:40
